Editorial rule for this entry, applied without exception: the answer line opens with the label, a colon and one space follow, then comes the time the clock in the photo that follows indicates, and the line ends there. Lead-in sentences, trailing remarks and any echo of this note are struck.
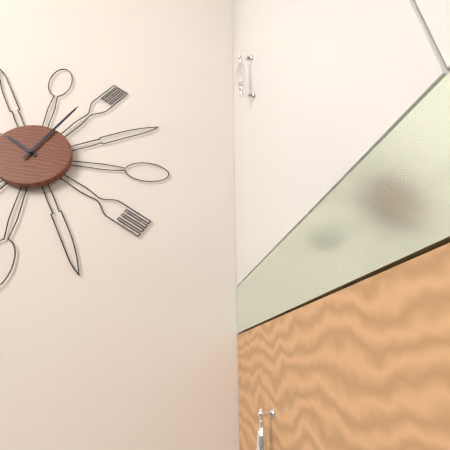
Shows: 10:04
